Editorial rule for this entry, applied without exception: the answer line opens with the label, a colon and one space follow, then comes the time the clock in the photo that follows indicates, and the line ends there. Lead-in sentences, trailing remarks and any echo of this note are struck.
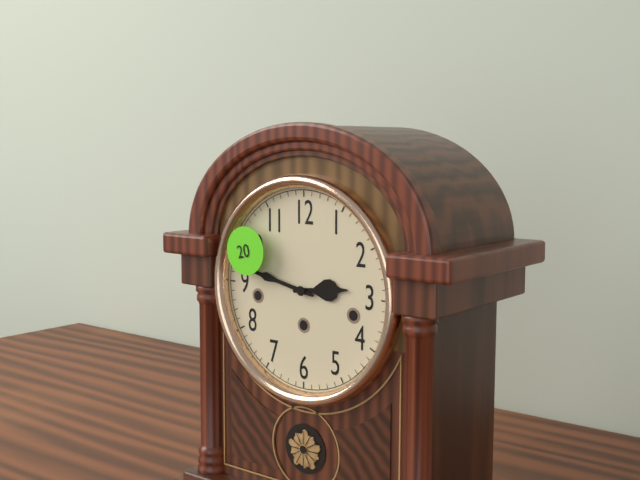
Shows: 2:47
